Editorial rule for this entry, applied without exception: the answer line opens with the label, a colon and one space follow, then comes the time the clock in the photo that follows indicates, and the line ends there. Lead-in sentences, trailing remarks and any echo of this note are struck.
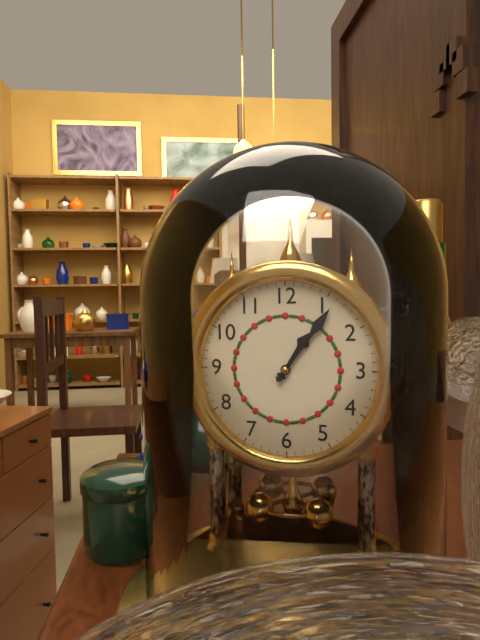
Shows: 1:06
